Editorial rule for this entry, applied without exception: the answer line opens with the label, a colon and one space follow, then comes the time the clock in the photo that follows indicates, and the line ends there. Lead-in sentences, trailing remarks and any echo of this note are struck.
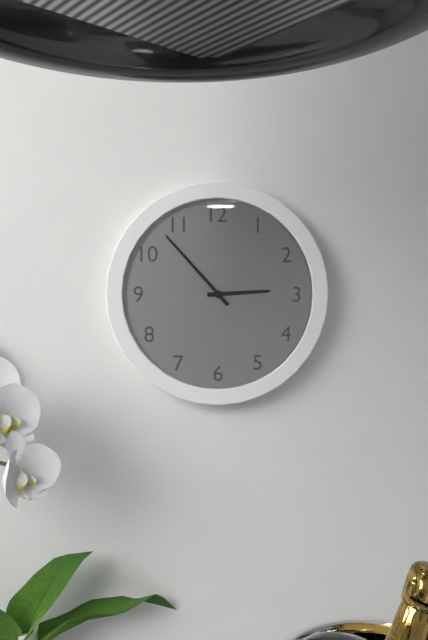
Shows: 2:53
